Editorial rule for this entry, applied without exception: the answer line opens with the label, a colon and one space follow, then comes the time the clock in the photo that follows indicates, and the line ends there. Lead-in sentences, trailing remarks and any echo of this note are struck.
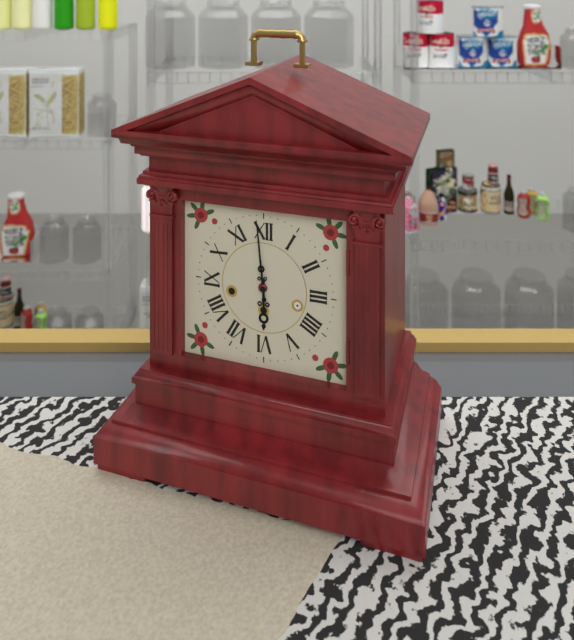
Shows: 5:59
